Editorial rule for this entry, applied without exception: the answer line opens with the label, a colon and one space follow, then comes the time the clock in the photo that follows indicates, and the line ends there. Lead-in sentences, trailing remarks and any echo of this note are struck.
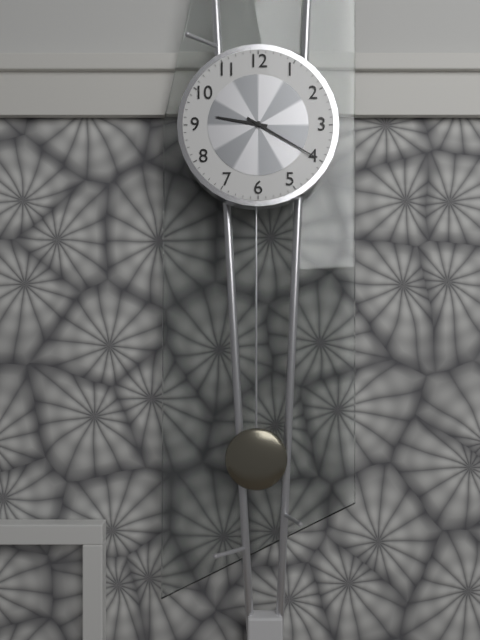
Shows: 9:20
